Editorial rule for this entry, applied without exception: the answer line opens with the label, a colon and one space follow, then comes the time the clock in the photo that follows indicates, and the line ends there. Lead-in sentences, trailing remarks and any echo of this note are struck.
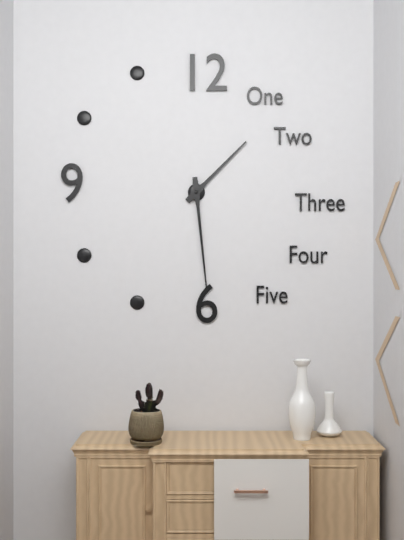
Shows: 1:29
